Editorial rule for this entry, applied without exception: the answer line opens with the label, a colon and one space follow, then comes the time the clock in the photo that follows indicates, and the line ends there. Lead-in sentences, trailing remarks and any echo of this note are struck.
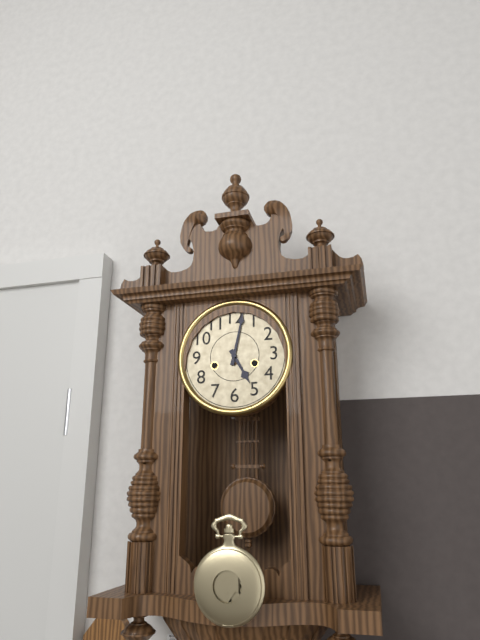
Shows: 5:02
